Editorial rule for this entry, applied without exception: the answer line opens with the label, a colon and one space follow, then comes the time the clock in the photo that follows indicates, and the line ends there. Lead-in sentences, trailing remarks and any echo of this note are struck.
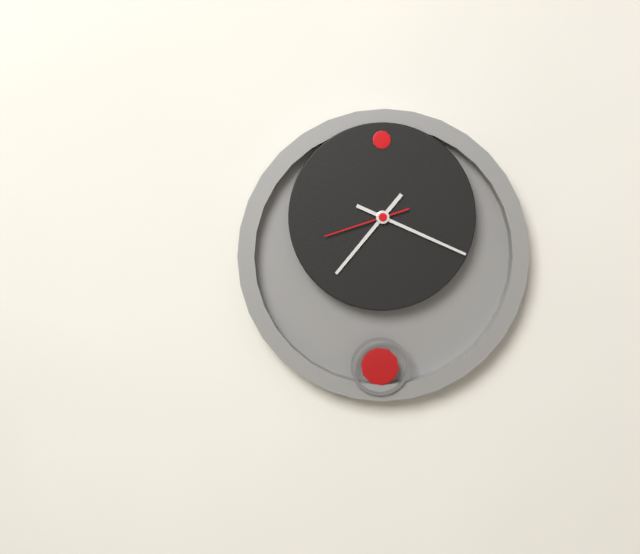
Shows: 7:19:42
